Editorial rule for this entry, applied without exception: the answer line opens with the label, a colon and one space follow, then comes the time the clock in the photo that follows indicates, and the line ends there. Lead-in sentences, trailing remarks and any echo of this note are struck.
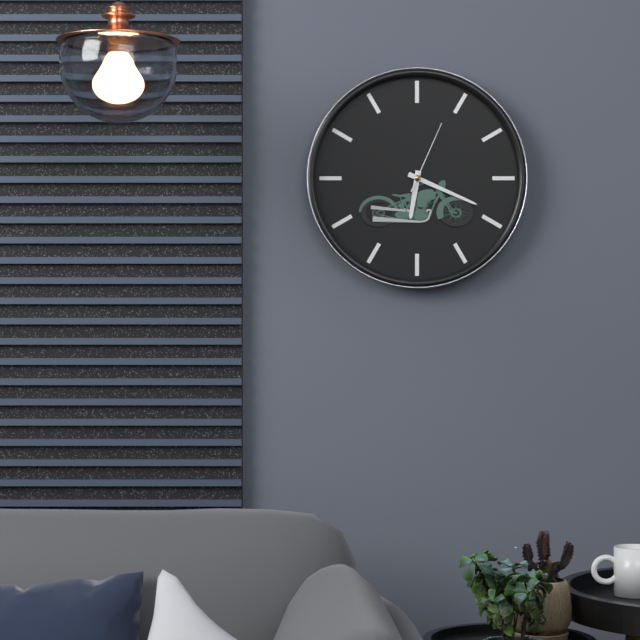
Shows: 6:19:04
